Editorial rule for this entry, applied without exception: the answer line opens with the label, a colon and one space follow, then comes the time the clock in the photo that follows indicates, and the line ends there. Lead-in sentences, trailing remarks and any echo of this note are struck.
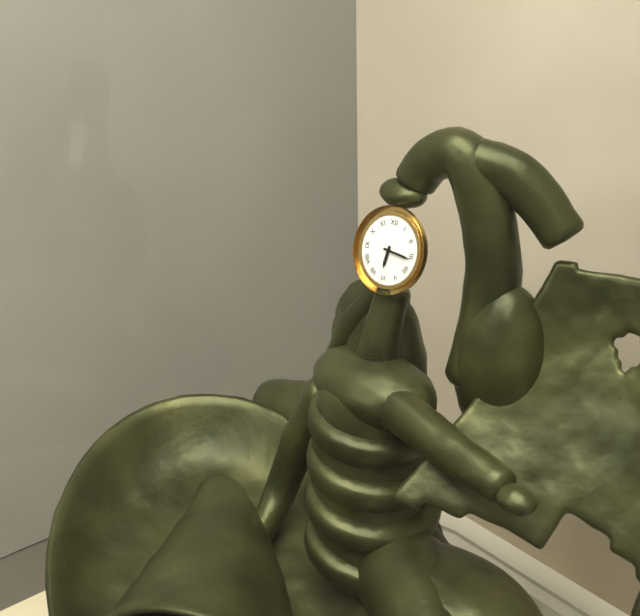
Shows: 6:16
